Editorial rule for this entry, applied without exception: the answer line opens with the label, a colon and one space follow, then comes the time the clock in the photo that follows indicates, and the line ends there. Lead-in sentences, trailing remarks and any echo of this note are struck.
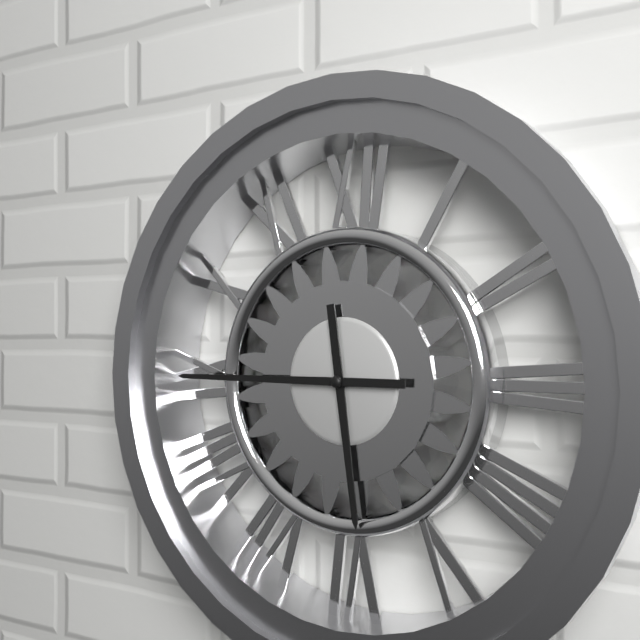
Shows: 5:45
